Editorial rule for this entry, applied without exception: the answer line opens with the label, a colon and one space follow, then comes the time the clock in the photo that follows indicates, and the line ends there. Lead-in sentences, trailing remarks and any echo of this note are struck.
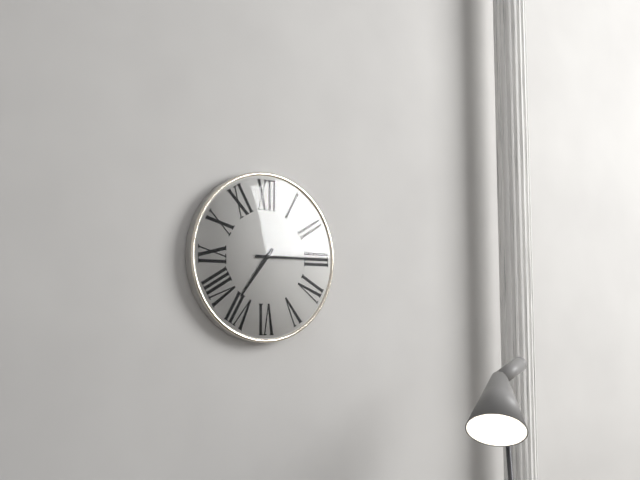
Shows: 7:15
